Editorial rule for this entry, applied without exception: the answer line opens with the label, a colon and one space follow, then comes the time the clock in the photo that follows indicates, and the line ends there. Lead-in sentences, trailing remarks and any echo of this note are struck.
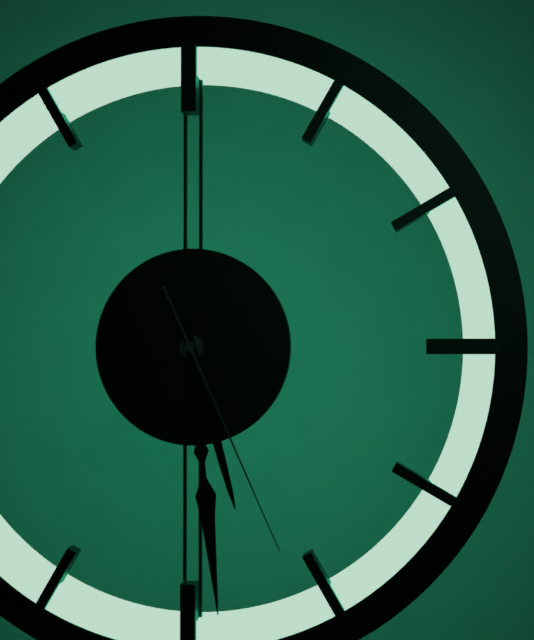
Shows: 5:29:26
